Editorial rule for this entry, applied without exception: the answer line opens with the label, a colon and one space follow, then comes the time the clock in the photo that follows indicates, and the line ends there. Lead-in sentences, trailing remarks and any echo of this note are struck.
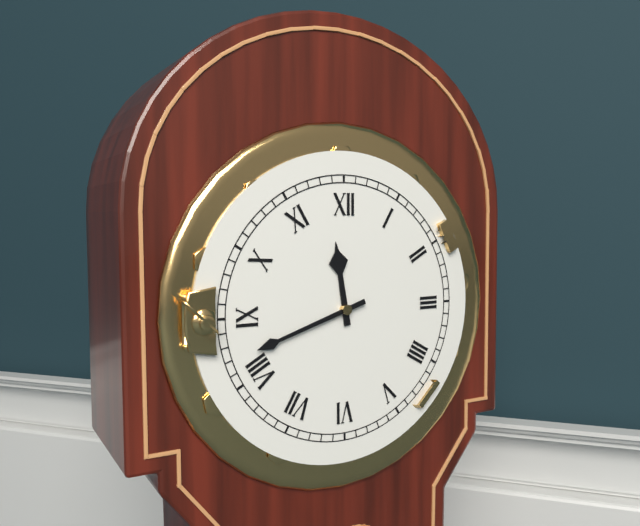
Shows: 11:42
